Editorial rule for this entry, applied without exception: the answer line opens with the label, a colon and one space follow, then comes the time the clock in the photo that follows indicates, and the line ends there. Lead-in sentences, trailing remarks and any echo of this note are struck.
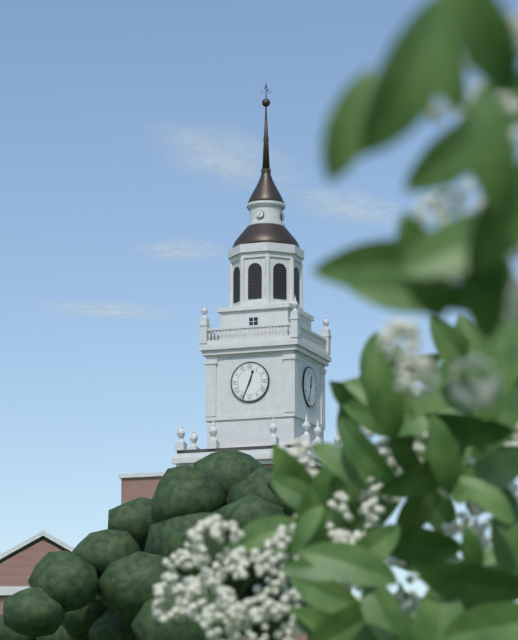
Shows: 12:34
